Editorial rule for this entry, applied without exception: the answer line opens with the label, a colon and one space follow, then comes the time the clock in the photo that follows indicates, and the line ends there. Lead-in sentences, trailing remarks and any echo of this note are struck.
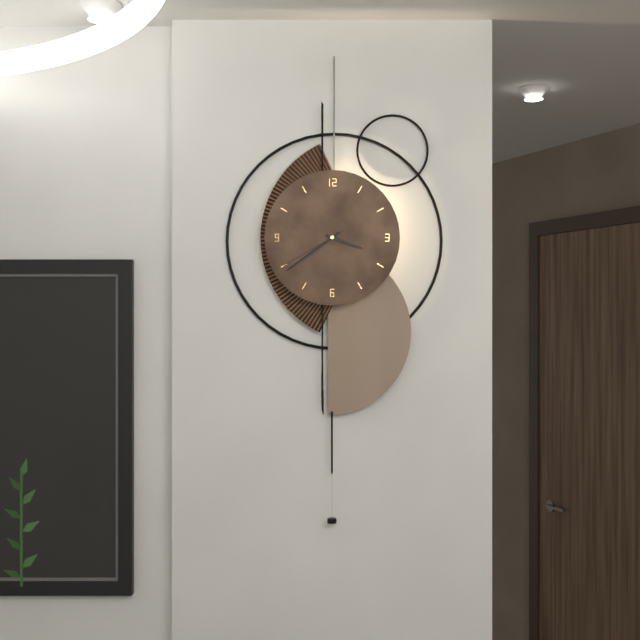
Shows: 3:39:40
